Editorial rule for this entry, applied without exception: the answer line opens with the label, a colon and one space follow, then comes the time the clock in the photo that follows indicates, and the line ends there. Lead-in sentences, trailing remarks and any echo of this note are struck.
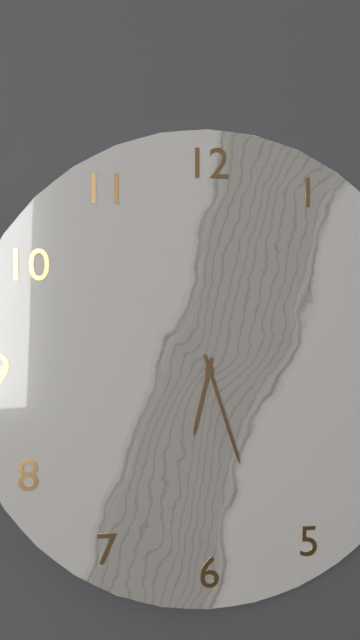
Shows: 6:27
